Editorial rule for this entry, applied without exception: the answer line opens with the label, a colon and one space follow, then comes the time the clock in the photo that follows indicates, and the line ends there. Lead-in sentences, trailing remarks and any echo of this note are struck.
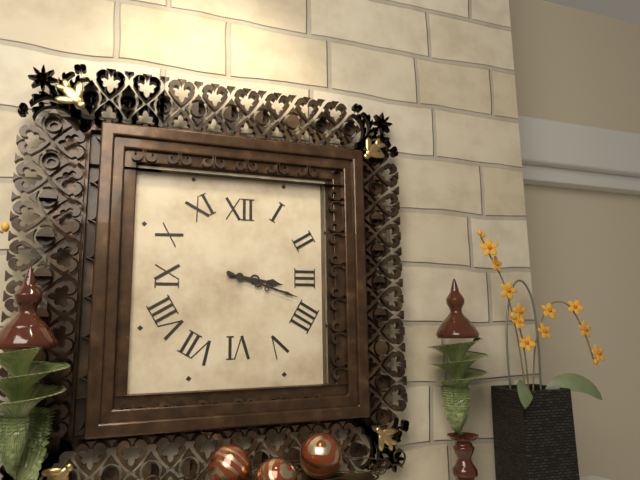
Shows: 3:18
